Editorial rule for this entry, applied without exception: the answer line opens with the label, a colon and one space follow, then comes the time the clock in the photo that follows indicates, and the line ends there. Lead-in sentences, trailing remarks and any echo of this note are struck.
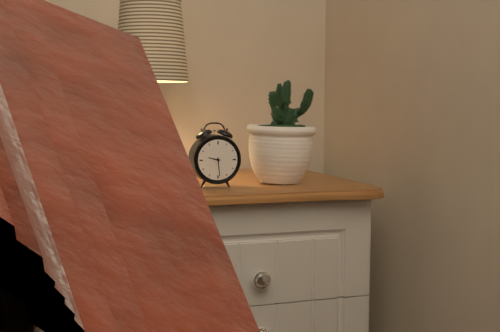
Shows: 9:29
